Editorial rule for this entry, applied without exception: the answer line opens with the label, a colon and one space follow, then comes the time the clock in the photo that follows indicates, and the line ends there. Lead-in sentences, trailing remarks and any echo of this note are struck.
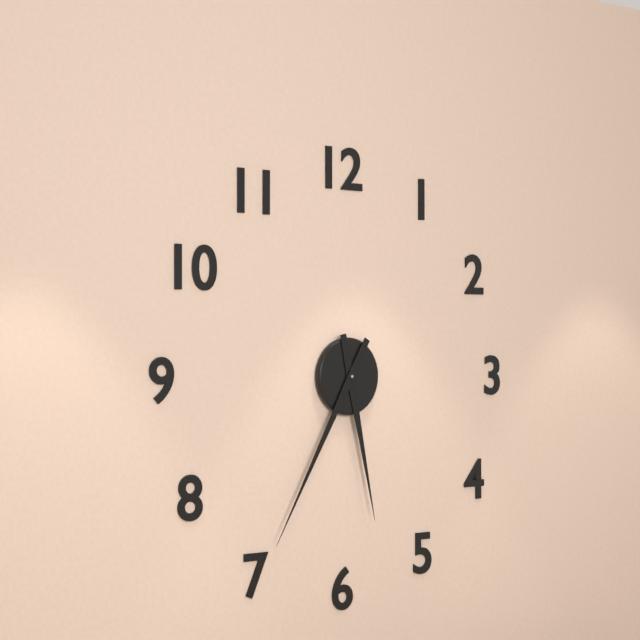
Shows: 5:35
